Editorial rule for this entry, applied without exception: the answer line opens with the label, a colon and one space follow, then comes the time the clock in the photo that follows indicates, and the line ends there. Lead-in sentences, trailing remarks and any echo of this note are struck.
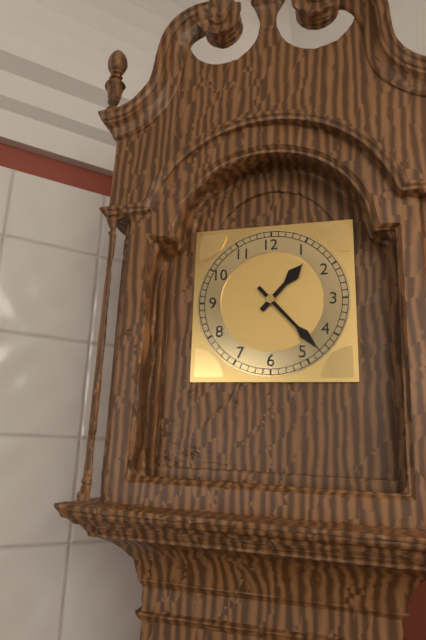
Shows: 1:23
